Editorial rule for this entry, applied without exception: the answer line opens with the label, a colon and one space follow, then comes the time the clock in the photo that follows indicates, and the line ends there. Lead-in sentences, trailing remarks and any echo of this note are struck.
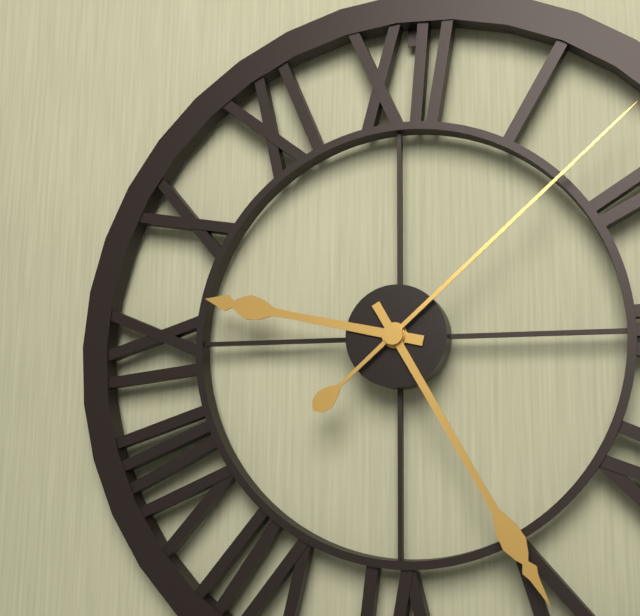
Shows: 9:25:08
